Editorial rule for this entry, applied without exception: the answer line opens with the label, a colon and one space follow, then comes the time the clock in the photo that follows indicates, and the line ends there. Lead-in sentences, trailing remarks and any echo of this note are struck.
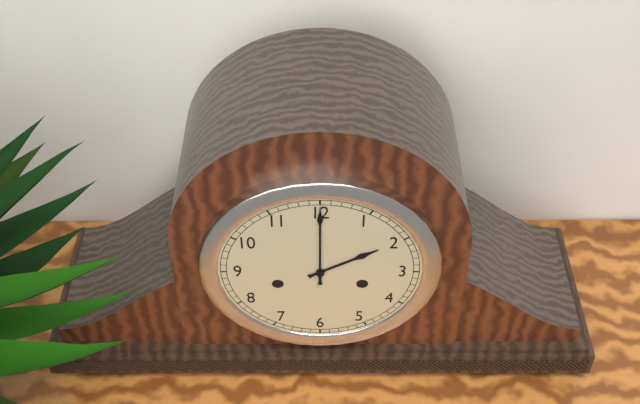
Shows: 2:00
